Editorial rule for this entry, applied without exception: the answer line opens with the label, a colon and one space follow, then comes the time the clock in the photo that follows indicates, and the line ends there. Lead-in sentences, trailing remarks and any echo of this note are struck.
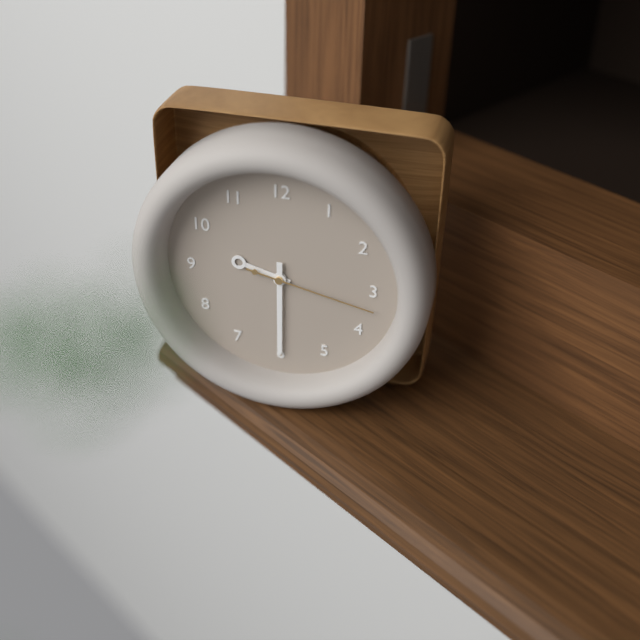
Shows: 9:30:17
